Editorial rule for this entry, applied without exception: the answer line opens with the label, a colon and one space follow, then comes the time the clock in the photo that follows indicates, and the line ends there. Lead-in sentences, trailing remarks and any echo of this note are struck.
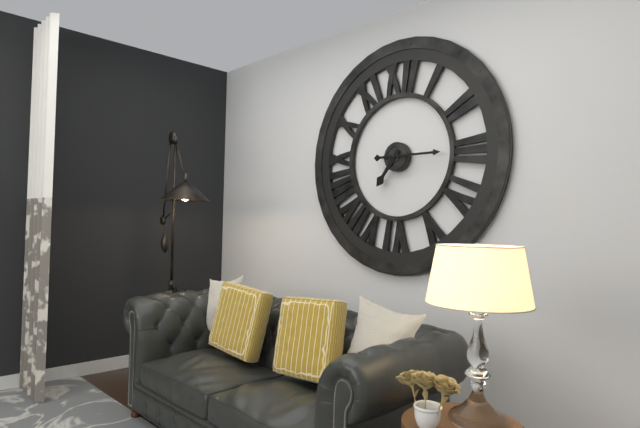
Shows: 7:15
